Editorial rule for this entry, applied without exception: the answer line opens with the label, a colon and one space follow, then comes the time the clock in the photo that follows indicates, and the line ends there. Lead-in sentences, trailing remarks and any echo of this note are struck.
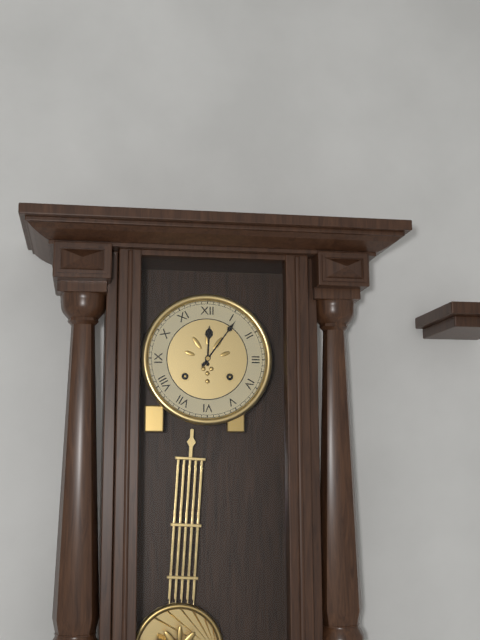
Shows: 12:06
